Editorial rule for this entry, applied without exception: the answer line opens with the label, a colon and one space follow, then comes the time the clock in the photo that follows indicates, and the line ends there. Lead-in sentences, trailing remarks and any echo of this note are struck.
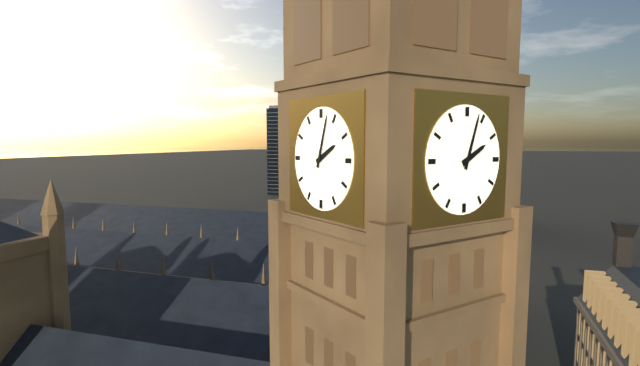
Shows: 2:03
